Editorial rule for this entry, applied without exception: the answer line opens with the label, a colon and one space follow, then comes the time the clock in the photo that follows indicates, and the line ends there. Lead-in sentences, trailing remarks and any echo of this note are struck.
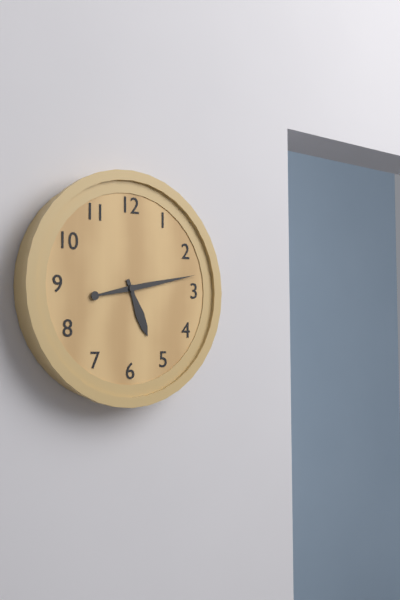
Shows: 5:13
